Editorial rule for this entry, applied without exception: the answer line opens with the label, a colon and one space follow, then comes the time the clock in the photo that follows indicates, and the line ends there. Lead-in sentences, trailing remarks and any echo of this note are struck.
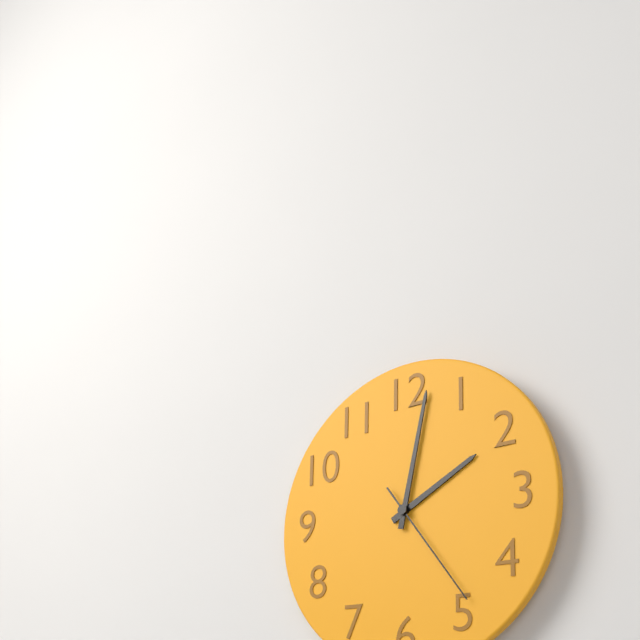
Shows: 2:02:24
